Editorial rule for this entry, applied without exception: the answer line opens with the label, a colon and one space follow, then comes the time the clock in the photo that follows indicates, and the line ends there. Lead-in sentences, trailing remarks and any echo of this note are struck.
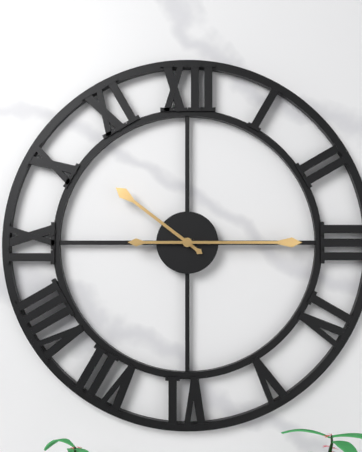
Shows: 10:15
